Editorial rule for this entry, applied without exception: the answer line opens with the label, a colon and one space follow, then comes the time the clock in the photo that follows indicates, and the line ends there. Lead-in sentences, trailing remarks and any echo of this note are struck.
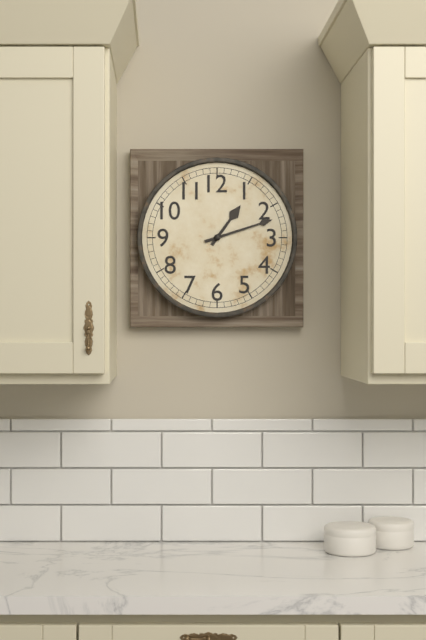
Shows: 1:12
